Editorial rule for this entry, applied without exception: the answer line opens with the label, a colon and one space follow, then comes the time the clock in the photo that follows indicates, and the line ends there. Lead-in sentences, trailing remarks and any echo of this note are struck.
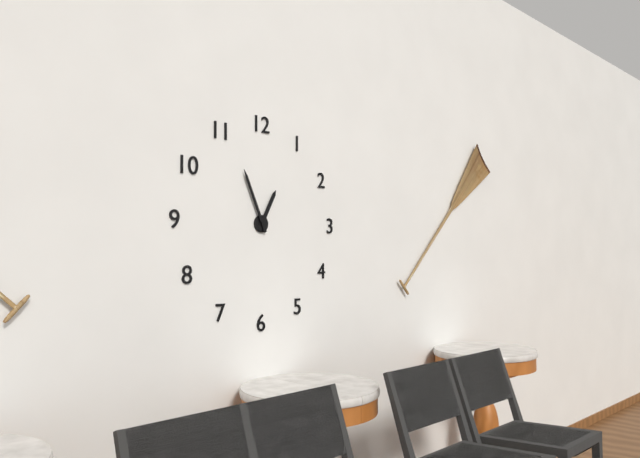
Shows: 12:56
